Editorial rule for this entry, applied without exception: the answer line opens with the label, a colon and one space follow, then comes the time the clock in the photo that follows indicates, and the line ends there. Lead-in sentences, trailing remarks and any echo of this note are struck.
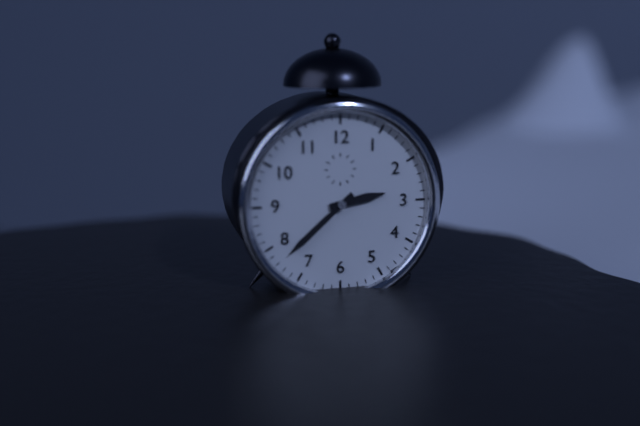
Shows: 2:38
